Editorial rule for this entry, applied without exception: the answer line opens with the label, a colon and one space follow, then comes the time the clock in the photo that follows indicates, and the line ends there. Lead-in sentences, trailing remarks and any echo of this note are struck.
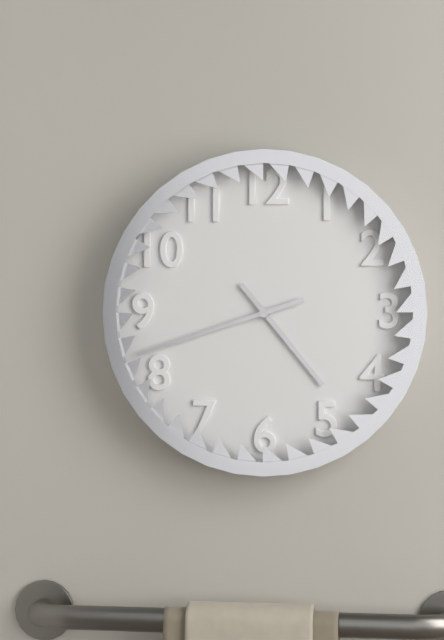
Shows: 4:42
